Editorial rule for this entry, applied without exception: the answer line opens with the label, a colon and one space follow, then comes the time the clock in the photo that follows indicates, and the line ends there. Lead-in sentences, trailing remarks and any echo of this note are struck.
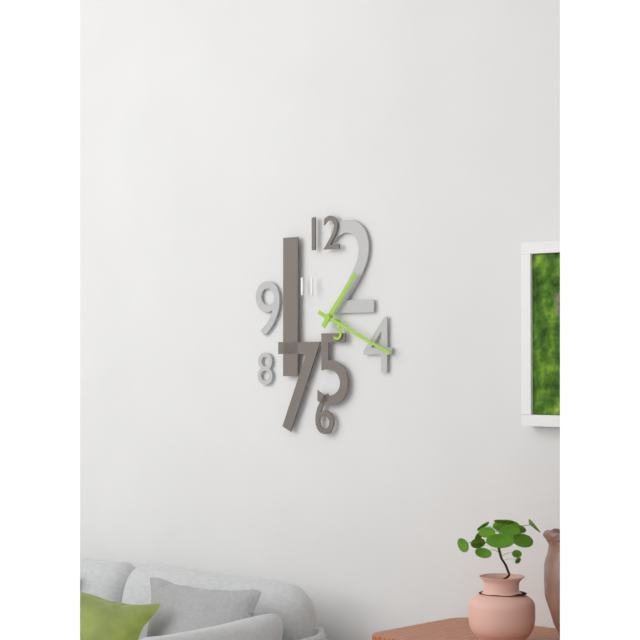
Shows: 1:19
